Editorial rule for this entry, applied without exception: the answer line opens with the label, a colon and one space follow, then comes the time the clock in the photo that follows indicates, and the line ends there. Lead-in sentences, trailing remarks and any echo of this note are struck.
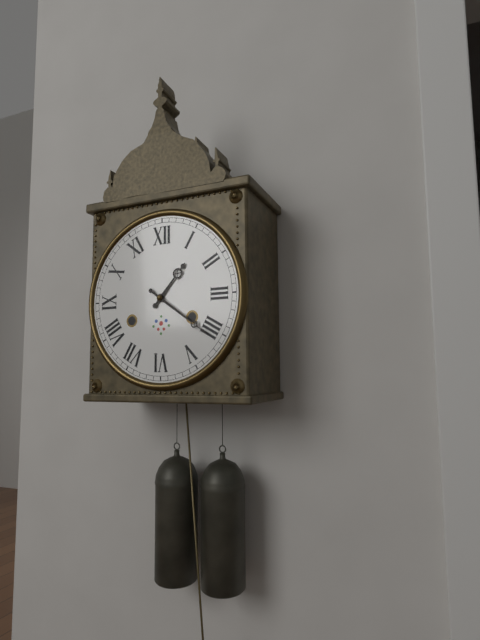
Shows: 1:21
